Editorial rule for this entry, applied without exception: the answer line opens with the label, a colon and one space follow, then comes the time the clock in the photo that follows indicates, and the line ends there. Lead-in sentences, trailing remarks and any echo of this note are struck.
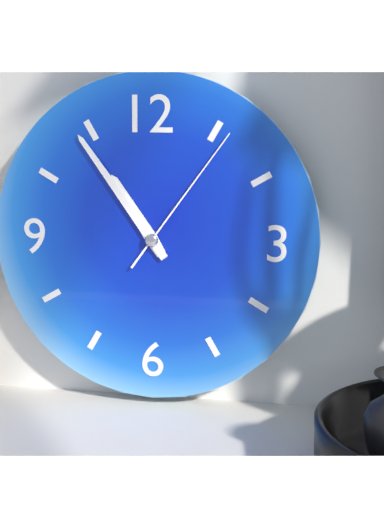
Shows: 10:54:06
